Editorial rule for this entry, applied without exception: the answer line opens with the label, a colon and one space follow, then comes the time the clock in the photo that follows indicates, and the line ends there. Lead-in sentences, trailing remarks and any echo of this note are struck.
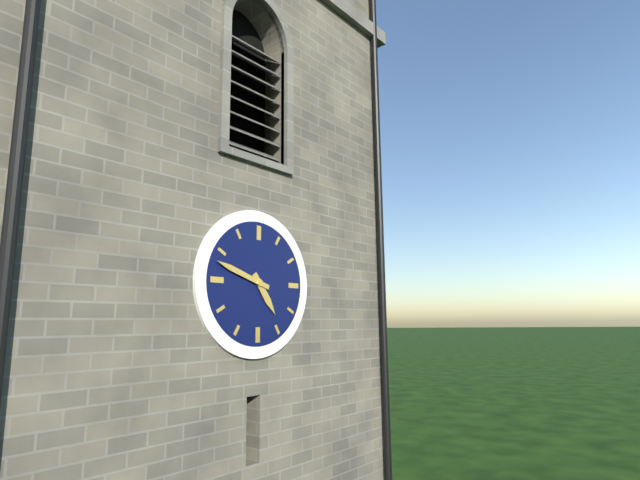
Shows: 4:48
